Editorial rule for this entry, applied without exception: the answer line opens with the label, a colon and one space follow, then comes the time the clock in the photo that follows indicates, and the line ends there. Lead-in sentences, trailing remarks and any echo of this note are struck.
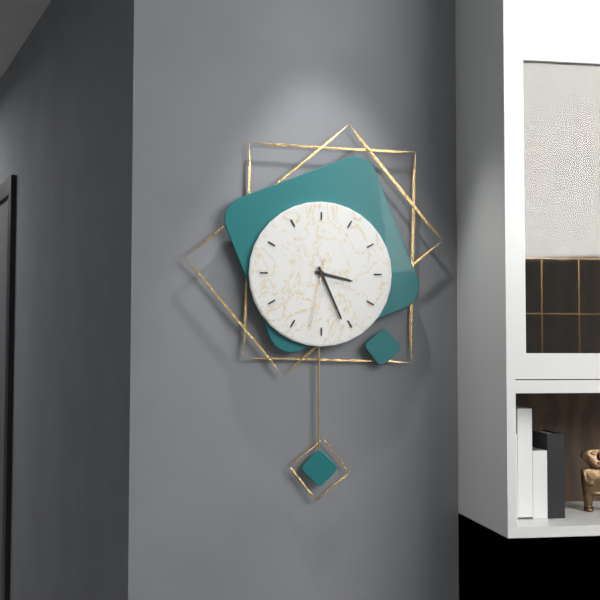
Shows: 3:26:32
